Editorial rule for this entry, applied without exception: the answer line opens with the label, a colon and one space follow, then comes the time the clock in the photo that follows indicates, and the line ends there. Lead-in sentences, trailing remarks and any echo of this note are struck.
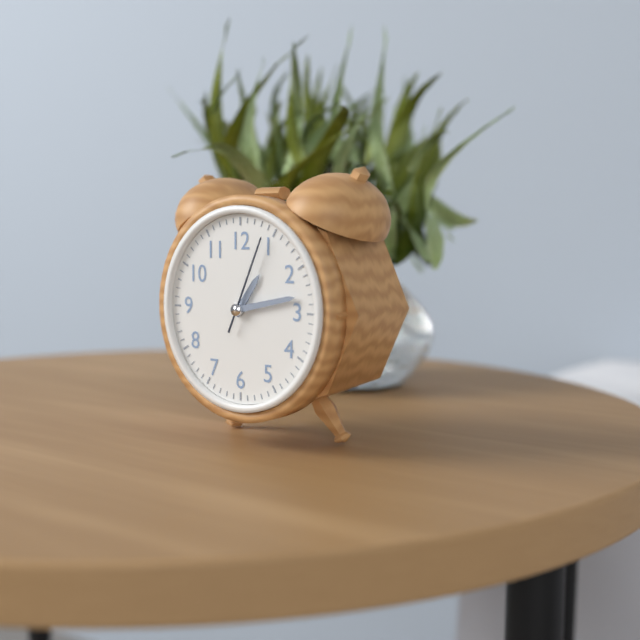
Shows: 1:13:04
